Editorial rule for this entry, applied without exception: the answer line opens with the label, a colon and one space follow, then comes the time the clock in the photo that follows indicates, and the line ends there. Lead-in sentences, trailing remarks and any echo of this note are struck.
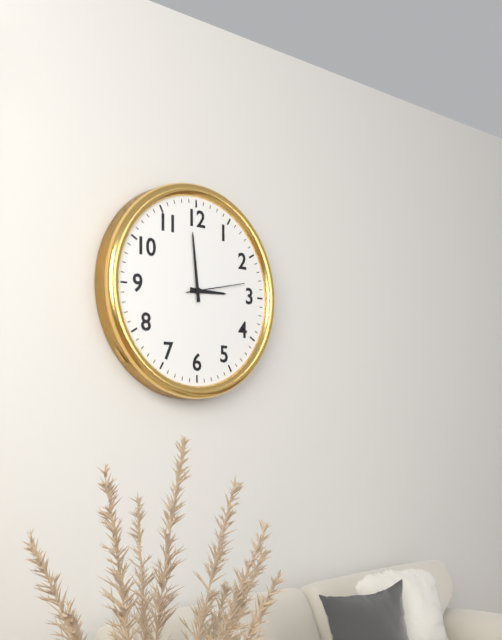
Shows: 2:59:13
